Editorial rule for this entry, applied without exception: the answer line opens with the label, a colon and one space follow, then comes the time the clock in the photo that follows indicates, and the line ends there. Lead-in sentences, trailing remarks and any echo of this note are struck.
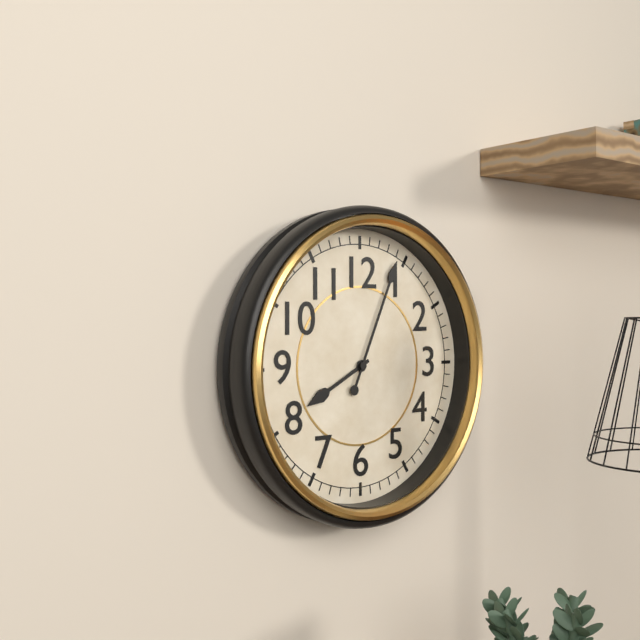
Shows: 8:04
